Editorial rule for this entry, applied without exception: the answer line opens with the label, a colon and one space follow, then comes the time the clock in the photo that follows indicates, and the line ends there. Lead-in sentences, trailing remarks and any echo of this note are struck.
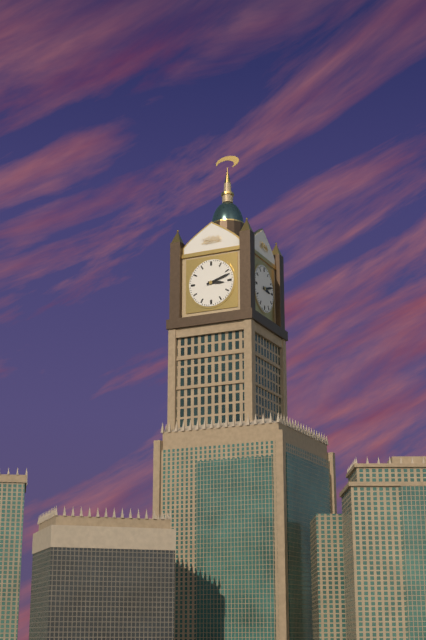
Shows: 3:12
